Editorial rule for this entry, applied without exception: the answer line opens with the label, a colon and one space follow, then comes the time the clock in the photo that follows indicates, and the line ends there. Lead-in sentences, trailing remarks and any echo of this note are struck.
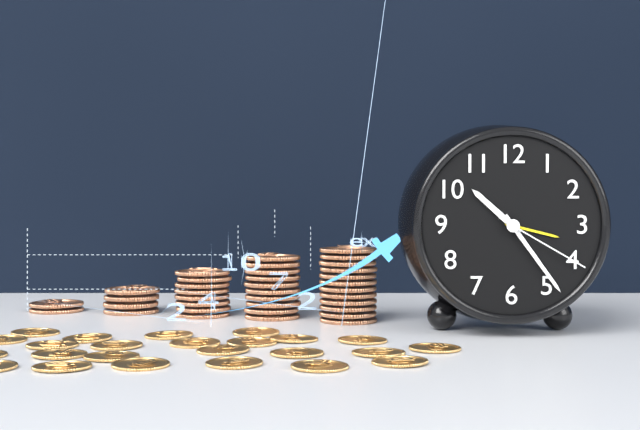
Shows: 10:24:20
